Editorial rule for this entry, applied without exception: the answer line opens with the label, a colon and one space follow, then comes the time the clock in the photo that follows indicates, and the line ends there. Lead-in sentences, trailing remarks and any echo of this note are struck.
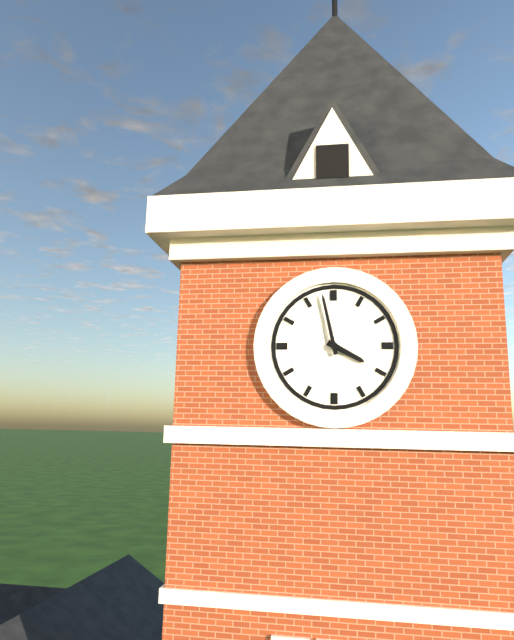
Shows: 3:58
